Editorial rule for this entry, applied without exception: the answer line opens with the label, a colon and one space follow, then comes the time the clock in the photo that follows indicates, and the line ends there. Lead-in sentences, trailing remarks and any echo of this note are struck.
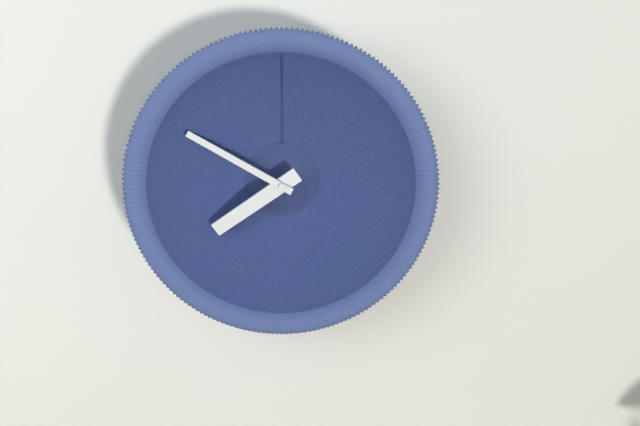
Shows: 7:50
